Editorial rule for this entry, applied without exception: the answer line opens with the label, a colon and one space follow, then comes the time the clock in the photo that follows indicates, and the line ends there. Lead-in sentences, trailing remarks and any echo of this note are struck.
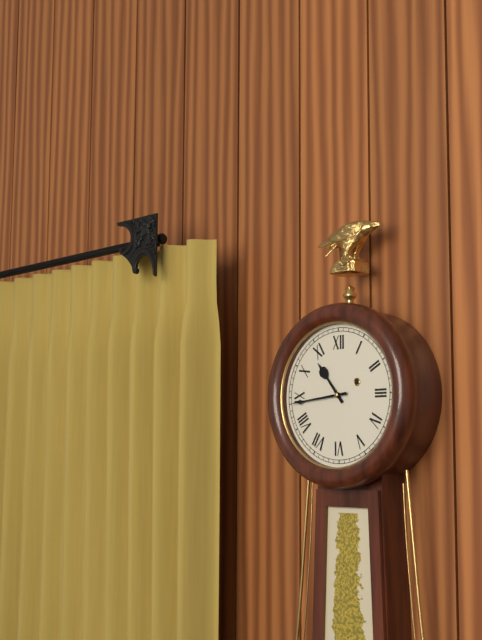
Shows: 10:44
